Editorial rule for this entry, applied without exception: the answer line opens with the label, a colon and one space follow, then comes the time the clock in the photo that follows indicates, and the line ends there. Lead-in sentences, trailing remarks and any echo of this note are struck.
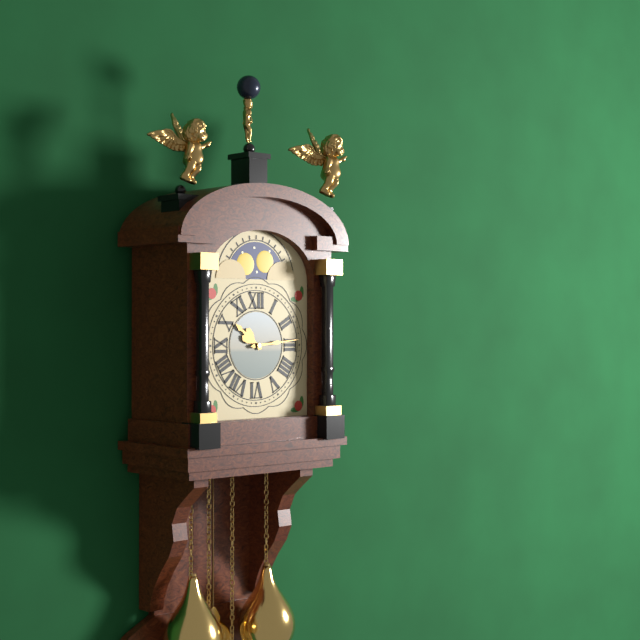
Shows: 10:14
